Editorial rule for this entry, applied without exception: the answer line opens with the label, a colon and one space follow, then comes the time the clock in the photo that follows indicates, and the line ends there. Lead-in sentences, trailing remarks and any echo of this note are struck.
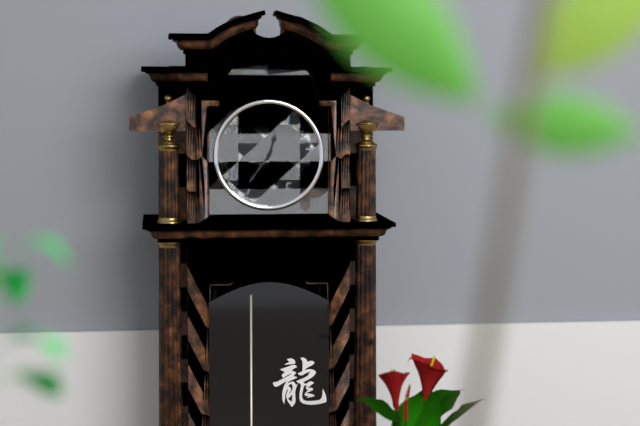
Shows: 12:36
